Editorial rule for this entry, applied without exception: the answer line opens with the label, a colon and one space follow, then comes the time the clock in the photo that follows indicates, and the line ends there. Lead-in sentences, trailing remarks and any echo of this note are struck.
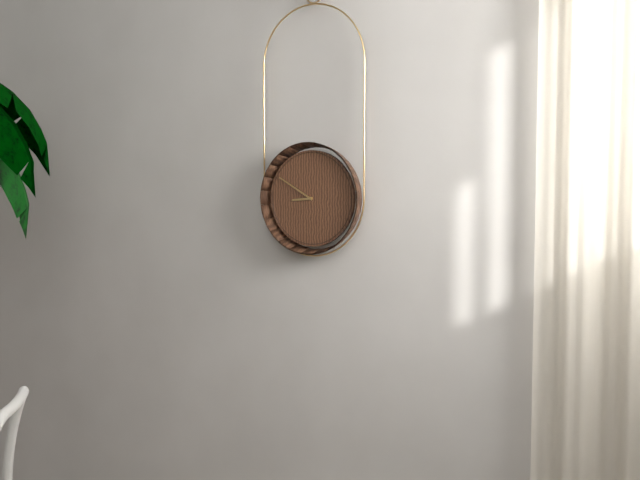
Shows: 8:50
